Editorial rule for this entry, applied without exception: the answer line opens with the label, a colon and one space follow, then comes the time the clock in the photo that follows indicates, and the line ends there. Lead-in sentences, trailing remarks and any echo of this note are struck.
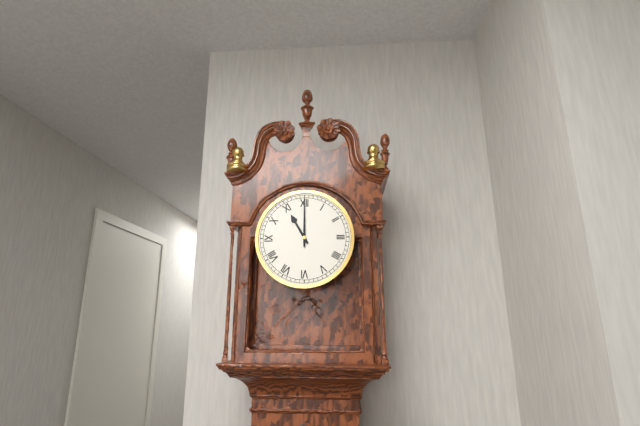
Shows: 11:00
